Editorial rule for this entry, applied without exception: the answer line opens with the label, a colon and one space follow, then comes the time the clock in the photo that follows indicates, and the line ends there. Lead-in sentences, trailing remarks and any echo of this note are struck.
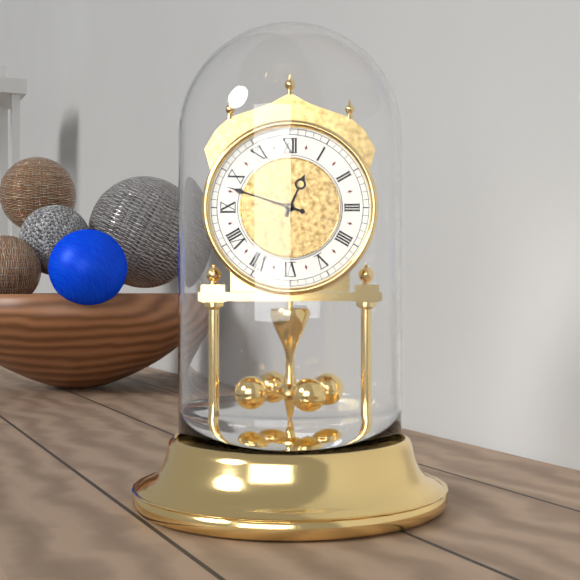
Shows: 12:48
